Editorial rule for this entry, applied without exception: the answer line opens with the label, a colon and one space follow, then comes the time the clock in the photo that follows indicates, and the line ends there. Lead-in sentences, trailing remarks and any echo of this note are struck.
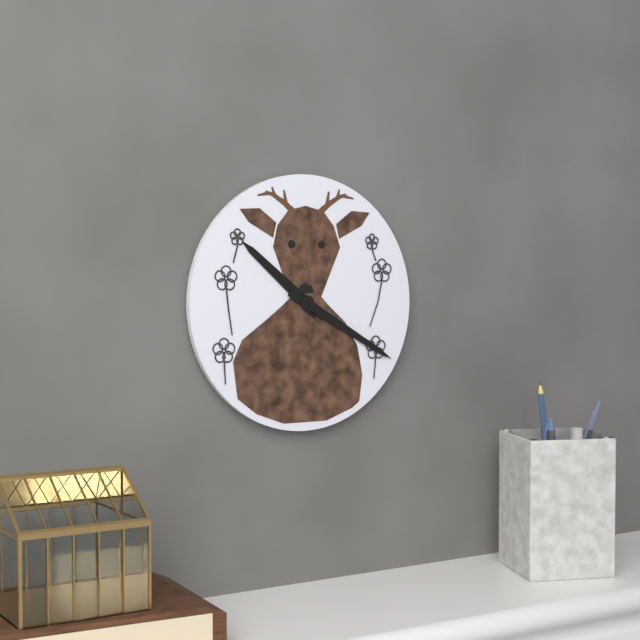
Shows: 10:20
